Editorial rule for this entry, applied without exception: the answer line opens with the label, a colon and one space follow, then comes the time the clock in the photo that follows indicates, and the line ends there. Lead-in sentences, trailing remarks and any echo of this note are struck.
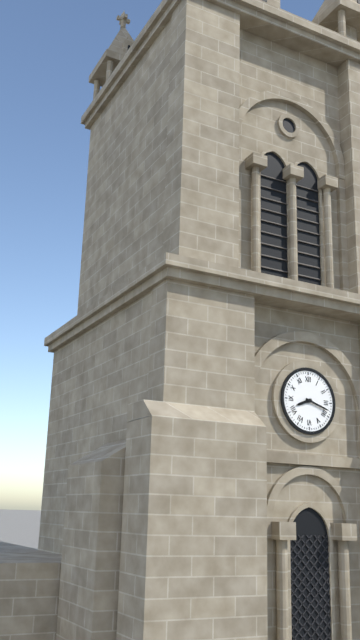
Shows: 8:18
